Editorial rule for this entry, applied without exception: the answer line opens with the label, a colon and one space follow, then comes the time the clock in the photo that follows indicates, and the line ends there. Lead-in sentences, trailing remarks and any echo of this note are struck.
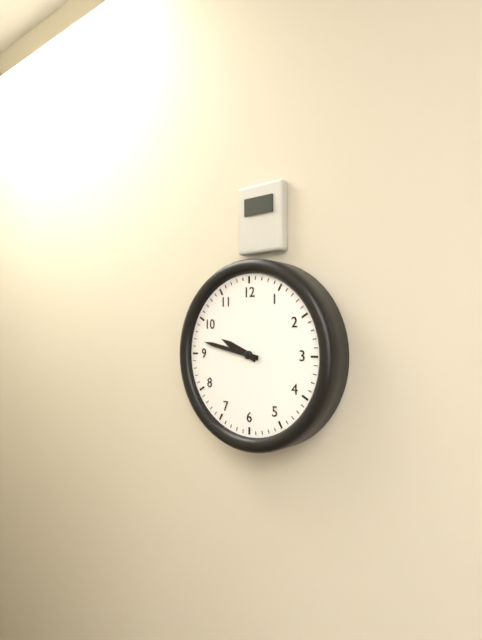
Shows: 9:47
